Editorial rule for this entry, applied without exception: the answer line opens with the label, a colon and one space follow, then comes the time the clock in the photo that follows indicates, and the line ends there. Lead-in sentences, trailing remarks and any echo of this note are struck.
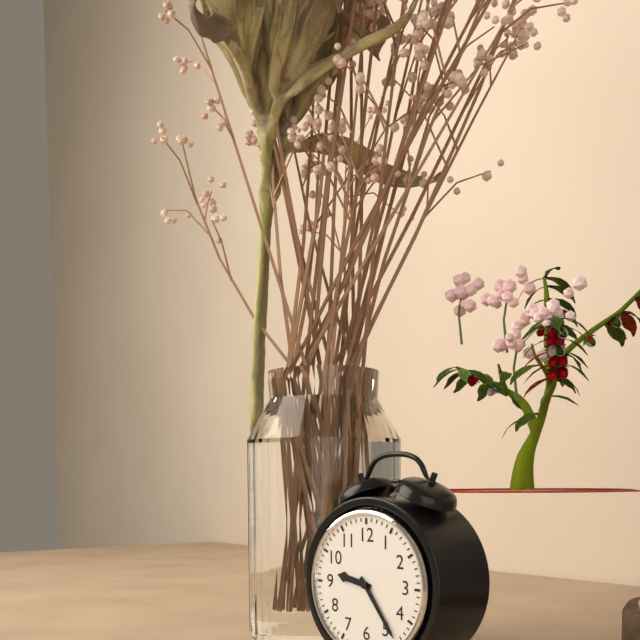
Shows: 9:24
